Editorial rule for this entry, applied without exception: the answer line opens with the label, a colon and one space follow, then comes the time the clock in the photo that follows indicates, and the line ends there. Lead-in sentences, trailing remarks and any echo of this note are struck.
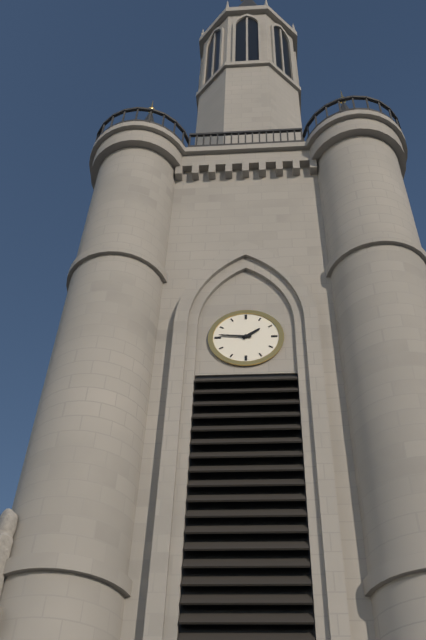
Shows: 1:46
